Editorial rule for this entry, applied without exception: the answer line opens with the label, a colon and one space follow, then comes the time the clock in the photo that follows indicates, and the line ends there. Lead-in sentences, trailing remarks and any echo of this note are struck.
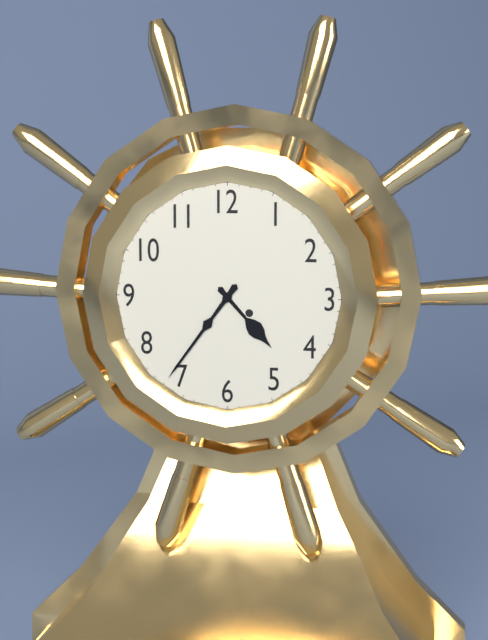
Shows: 4:36
